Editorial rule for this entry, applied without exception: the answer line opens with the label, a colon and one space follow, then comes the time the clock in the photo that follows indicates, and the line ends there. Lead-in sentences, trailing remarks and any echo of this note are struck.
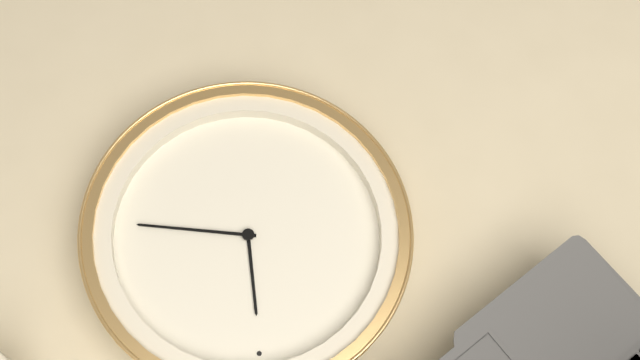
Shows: 11:13
